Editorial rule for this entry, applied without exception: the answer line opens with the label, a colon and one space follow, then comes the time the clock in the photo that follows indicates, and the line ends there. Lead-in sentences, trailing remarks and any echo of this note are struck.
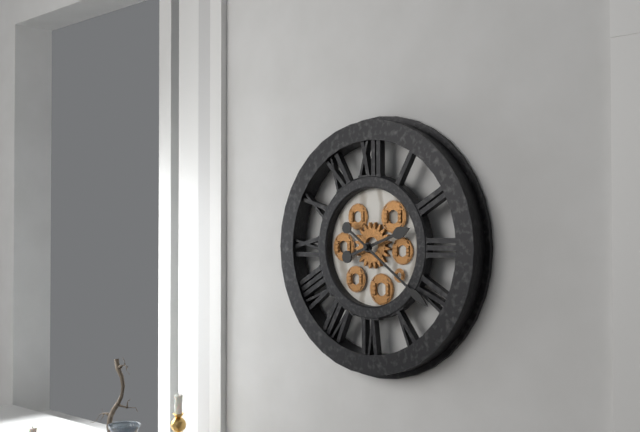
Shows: 2:21
